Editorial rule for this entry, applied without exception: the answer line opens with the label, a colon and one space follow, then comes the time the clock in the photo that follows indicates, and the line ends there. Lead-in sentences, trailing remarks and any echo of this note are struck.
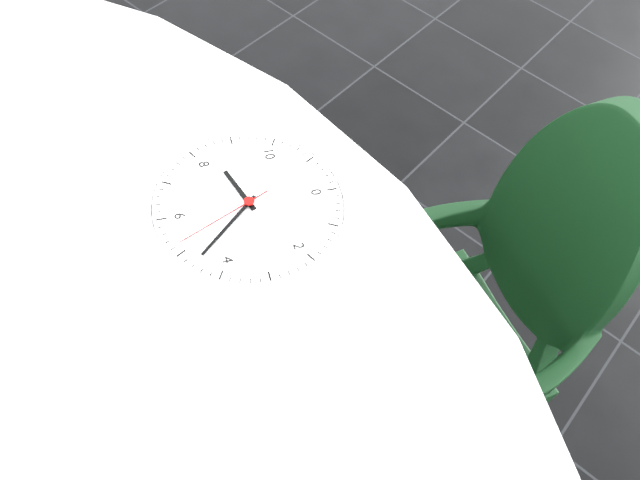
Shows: 8:23:26
